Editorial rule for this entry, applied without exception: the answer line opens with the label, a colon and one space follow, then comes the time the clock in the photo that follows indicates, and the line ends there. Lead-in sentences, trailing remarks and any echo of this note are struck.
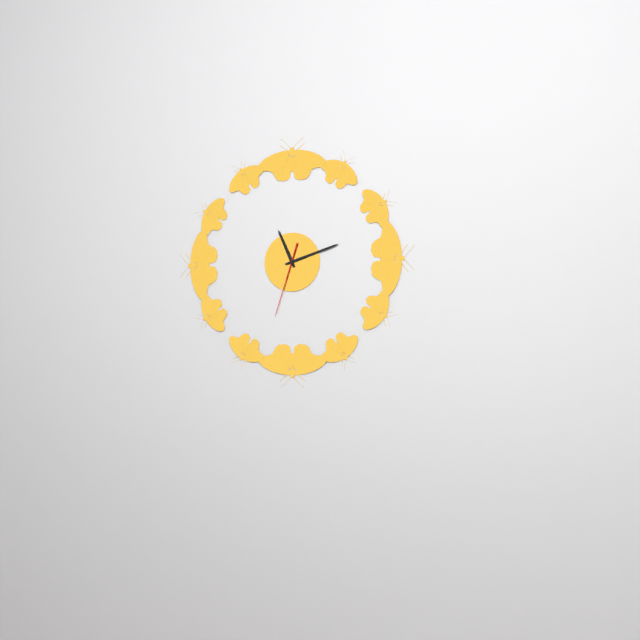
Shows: 11:12:33
